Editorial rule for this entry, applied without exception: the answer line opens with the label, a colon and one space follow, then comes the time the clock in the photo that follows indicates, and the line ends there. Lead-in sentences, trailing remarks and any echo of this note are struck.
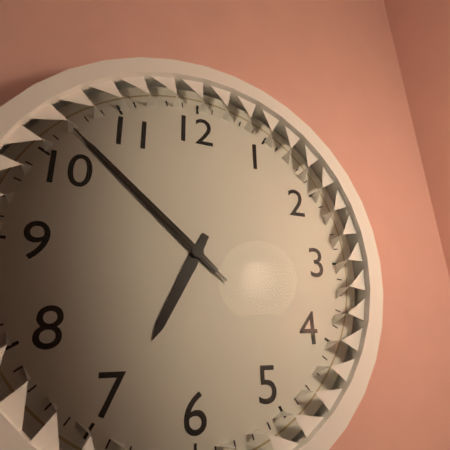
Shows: 6:52:52
